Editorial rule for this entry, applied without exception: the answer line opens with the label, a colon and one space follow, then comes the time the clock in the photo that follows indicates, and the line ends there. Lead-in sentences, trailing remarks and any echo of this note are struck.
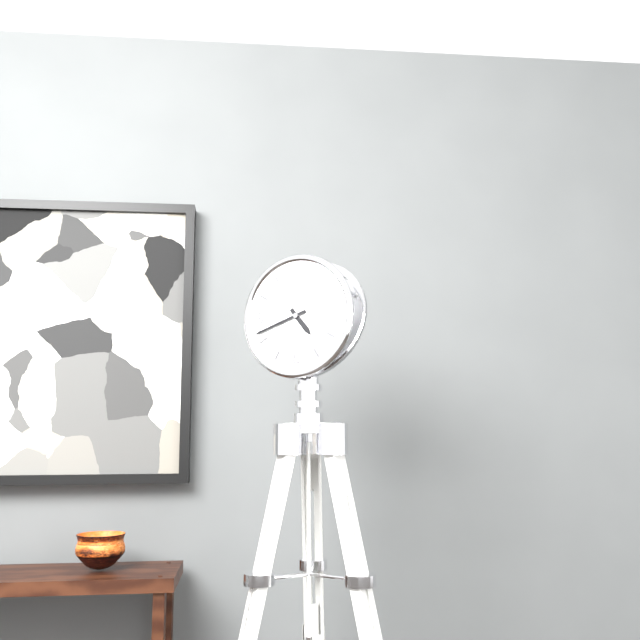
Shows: 4:42
